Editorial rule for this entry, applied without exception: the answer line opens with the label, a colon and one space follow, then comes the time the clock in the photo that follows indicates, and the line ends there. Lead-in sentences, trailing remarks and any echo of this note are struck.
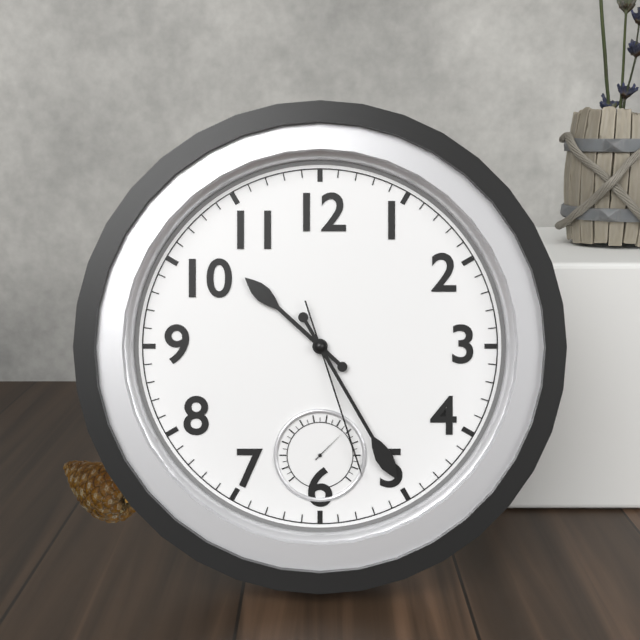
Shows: 10:25:27
